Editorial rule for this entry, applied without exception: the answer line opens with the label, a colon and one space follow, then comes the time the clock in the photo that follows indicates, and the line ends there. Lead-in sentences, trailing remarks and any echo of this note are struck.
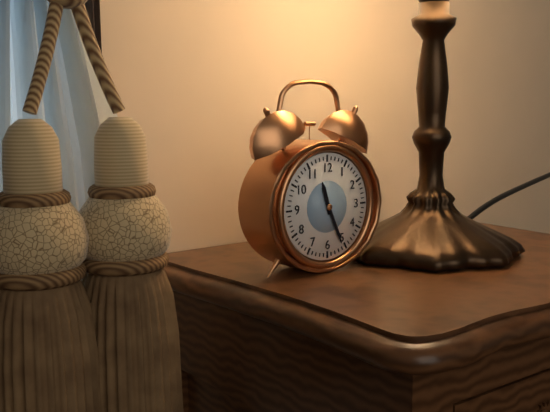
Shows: 11:26
